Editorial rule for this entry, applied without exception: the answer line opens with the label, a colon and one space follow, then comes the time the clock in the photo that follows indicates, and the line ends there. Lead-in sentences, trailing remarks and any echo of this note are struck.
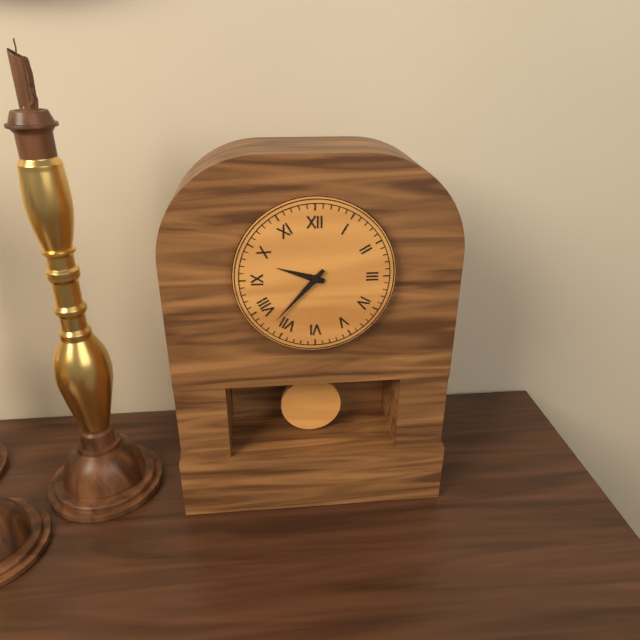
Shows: 9:37
